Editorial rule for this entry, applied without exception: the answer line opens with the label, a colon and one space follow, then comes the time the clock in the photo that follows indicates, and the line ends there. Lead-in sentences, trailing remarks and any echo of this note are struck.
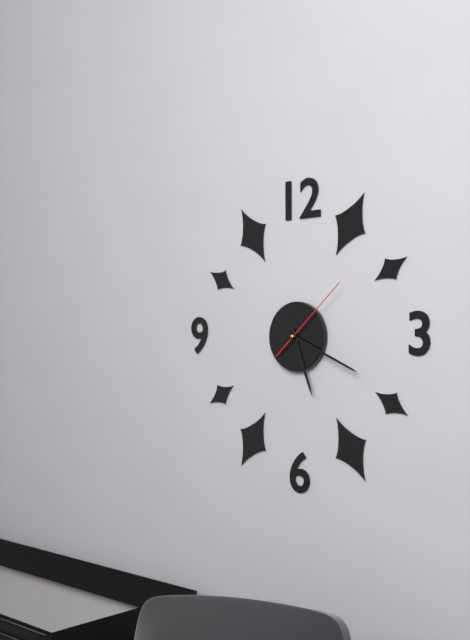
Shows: 5:19:08
